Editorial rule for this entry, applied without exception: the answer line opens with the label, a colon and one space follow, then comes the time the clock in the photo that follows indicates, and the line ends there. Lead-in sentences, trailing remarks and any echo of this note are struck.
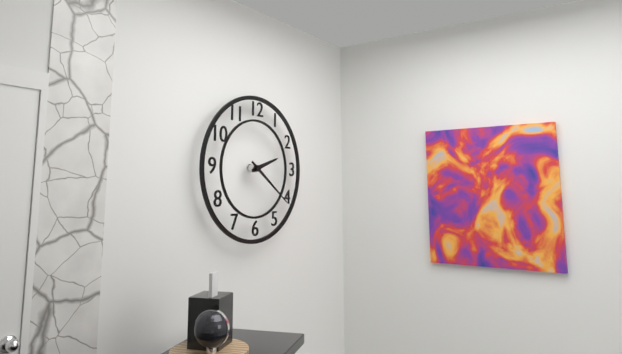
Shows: 2:21
